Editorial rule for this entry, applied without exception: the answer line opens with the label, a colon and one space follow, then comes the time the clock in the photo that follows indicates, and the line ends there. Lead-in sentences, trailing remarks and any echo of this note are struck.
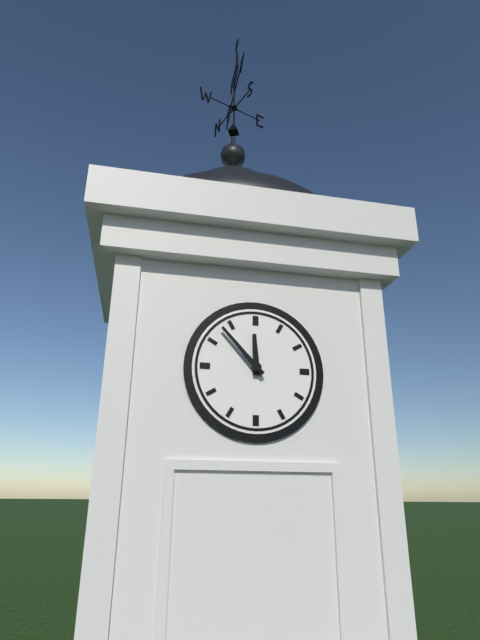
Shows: 11:53
